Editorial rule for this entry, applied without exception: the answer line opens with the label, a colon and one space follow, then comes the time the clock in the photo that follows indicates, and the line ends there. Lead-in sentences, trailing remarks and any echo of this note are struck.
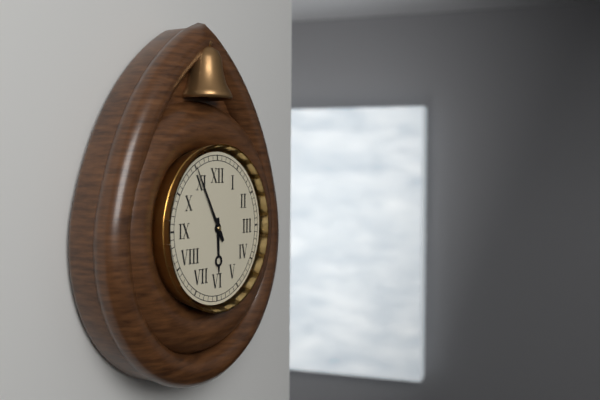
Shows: 5:55
